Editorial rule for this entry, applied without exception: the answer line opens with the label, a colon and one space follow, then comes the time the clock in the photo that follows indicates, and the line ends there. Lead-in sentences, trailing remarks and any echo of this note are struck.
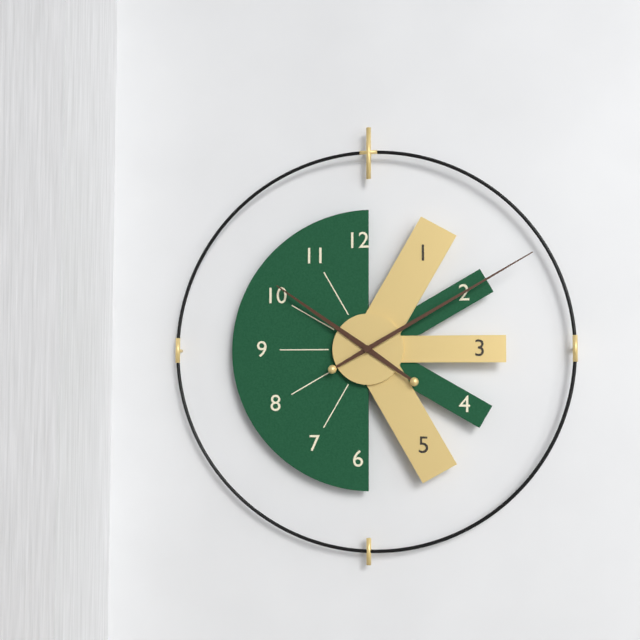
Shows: 10:10
